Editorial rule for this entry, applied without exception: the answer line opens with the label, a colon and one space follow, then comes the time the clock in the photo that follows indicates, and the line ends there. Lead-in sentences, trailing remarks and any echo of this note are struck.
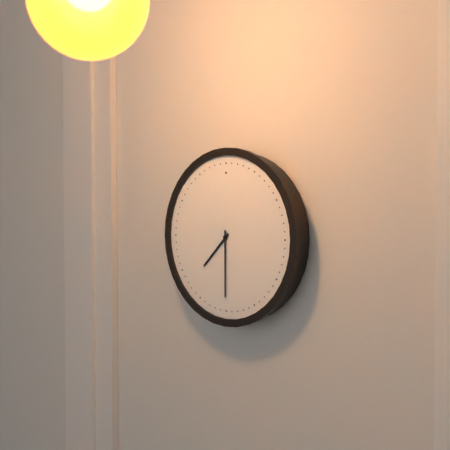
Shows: 7:30
